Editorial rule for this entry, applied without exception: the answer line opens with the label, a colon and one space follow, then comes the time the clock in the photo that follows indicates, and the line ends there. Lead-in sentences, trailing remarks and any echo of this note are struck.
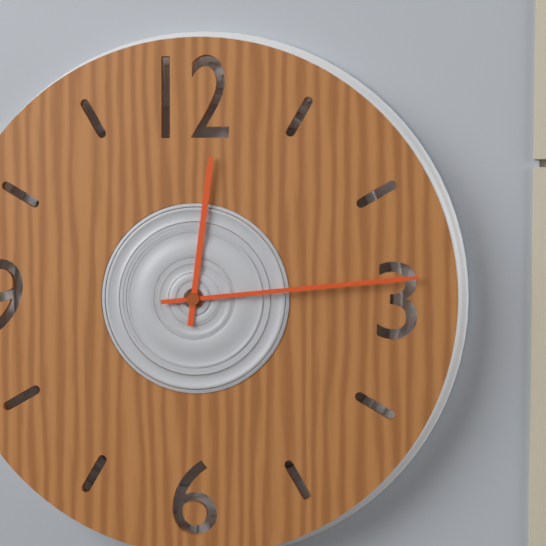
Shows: 12:14
